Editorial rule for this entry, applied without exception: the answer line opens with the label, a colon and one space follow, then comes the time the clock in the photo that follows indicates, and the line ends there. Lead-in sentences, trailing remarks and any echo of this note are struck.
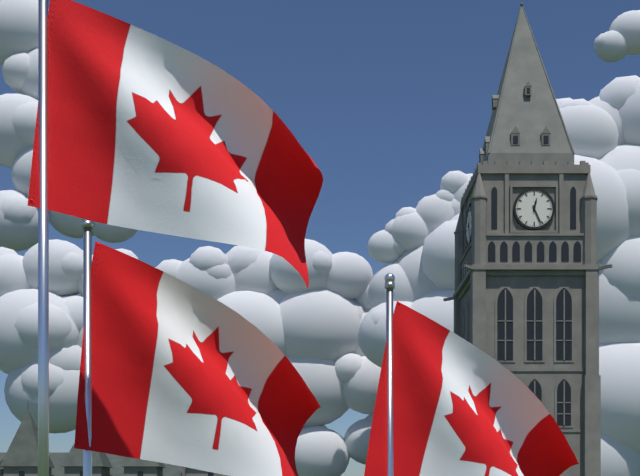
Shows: 12:26
